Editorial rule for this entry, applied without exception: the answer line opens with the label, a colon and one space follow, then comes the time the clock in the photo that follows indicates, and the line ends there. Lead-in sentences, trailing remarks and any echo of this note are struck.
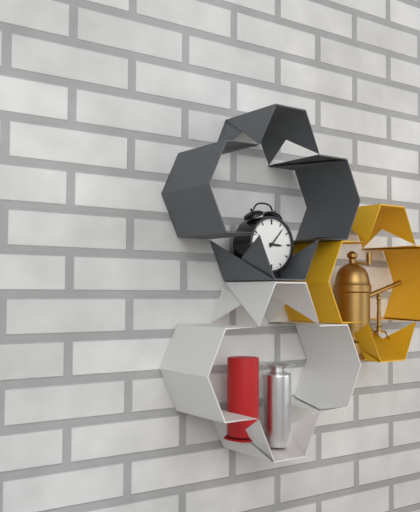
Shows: 3:07
